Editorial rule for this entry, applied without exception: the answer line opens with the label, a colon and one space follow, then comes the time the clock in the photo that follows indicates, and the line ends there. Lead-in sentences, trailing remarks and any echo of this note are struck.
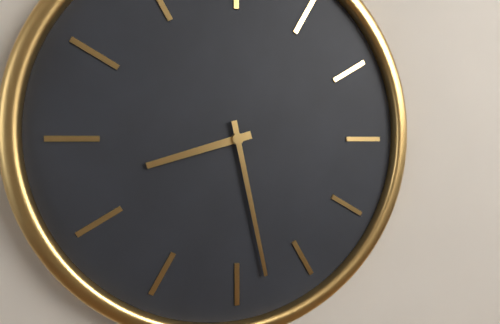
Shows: 8:28
